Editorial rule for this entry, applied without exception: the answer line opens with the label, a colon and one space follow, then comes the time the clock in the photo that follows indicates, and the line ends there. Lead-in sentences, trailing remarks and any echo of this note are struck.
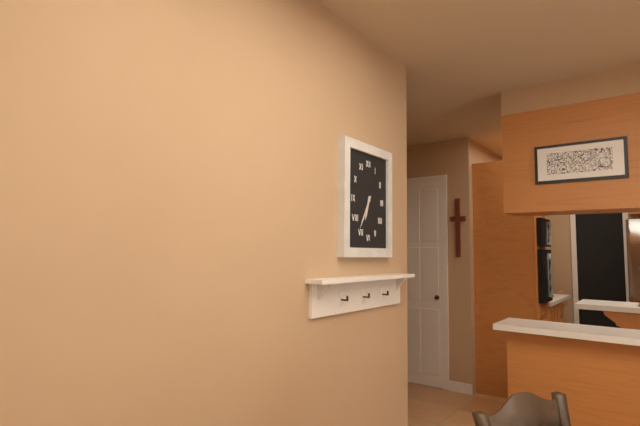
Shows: 6:35
